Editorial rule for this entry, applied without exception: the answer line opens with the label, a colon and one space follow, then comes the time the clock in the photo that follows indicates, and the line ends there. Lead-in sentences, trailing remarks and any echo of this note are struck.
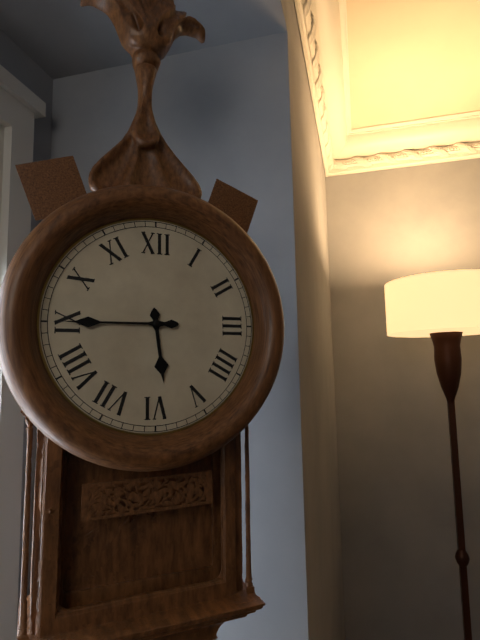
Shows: 5:45
